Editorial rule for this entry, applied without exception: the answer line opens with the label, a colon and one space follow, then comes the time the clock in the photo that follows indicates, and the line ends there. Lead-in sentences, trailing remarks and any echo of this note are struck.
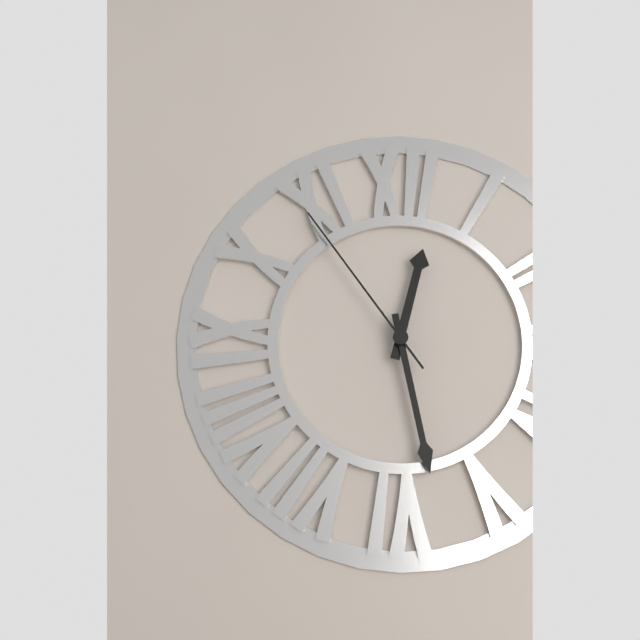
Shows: 12:28:54
